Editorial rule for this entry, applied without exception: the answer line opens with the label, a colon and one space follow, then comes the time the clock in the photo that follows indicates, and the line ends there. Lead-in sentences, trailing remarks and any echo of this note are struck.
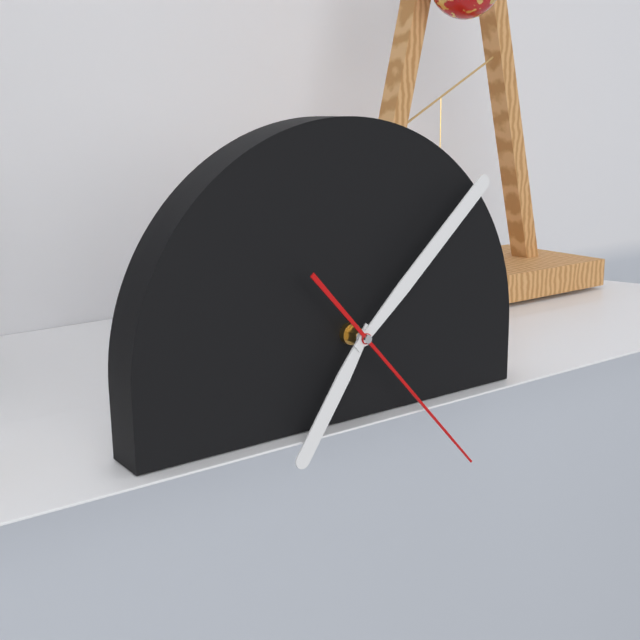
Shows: 7:08:23
